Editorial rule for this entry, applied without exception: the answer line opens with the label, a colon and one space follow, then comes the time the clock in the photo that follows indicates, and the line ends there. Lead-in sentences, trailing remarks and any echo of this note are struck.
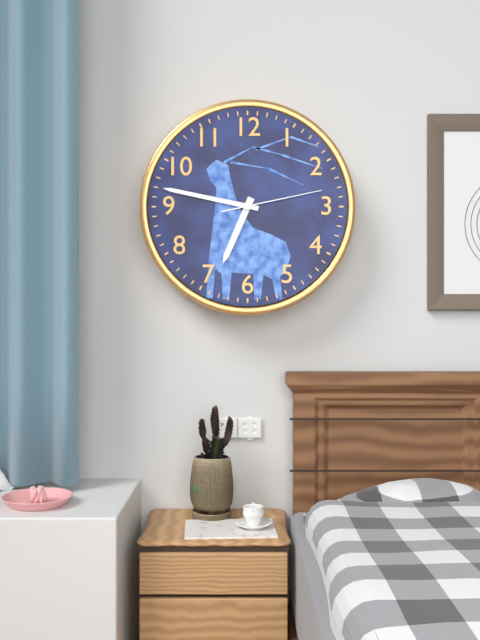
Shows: 6:47:13
